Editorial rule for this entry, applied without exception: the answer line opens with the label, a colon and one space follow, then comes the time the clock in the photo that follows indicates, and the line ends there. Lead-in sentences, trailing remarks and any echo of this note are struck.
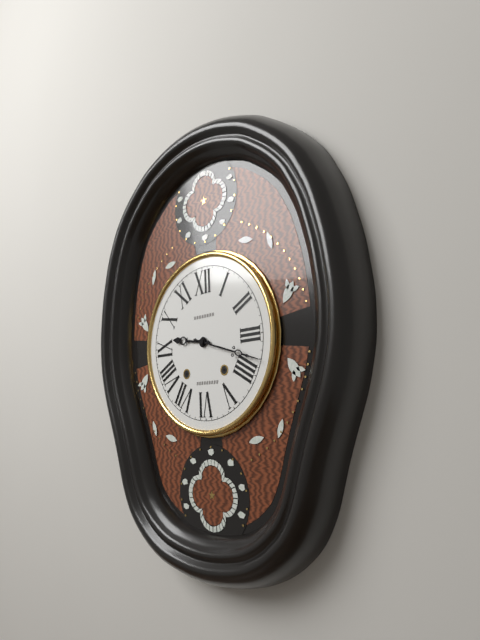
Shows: 9:18
